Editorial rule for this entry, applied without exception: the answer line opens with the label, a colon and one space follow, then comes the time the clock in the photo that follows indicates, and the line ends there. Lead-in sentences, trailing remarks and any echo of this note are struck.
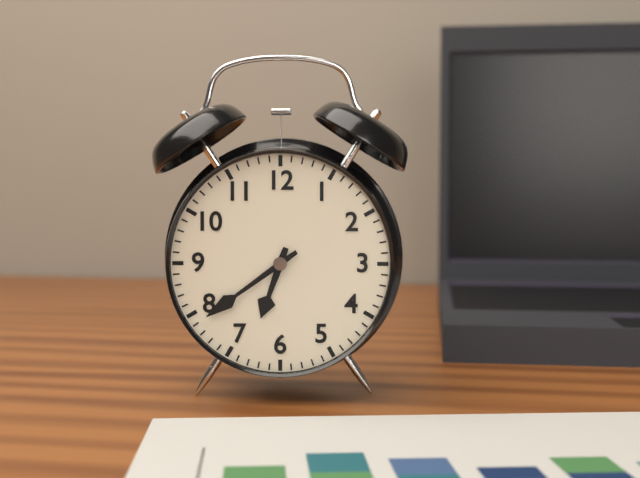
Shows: 6:39
